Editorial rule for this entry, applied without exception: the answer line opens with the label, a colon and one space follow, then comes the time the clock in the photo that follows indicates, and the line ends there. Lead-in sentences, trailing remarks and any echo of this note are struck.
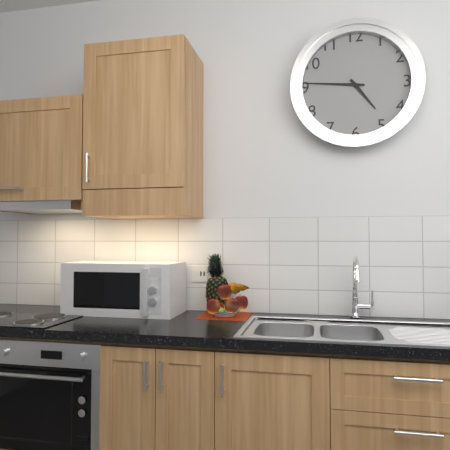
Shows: 4:46
